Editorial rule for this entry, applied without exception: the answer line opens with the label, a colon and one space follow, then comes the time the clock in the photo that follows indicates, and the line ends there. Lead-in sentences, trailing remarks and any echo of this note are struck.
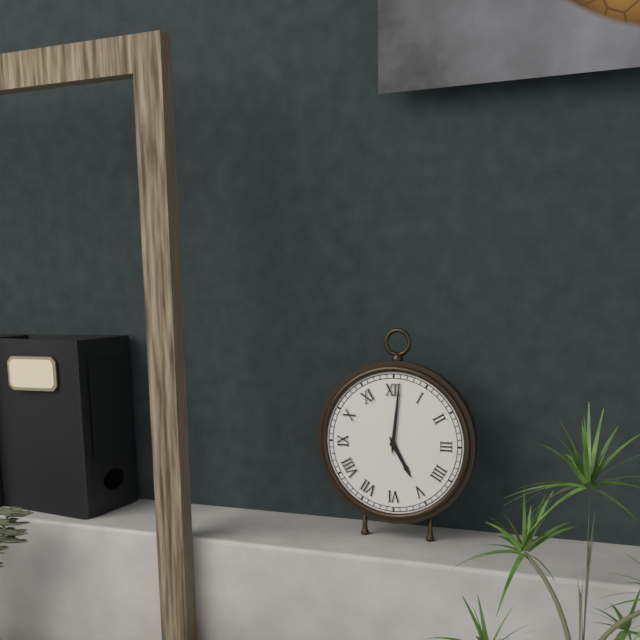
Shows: 5:01
